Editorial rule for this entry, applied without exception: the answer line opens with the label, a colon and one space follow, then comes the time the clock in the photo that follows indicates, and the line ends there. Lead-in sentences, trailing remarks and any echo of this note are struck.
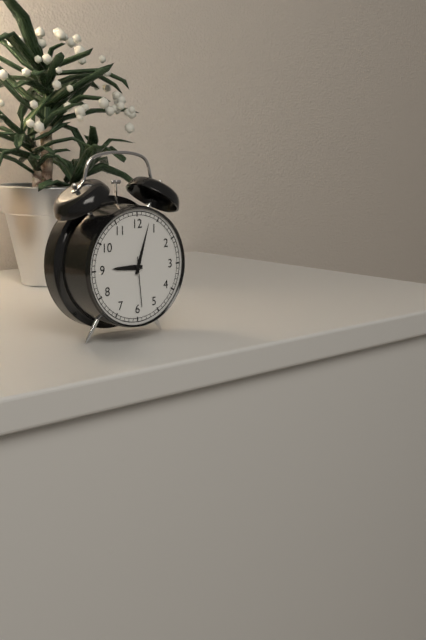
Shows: 9:03:29
